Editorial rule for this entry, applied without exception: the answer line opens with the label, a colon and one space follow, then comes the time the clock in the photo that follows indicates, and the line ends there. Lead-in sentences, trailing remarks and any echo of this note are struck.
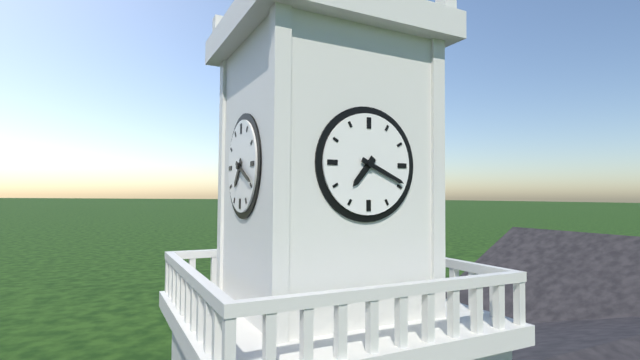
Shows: 7:19
